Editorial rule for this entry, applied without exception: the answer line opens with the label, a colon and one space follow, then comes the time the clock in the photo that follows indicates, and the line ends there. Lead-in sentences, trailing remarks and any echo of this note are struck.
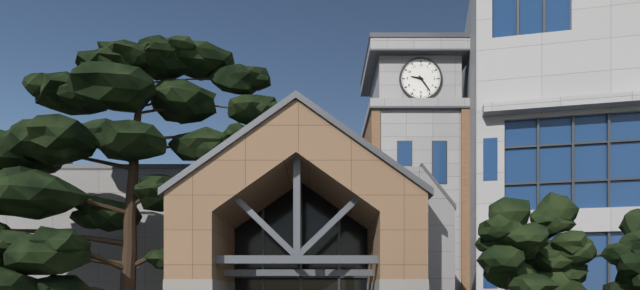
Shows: 9:24
